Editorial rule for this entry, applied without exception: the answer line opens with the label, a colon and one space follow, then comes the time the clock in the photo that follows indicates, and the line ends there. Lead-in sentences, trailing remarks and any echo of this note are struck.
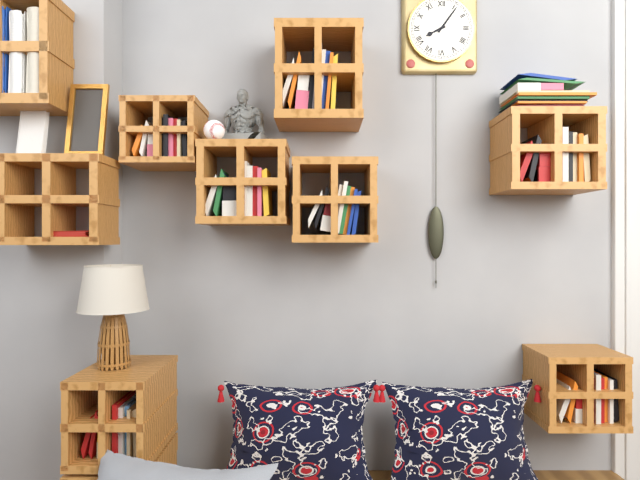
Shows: 8:06
